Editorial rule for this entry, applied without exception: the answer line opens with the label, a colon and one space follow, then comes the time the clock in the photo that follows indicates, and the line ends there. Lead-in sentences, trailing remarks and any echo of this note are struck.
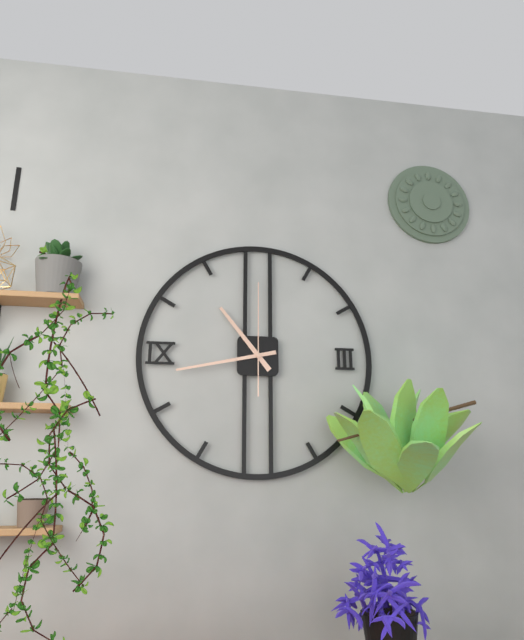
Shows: 10:43:00
